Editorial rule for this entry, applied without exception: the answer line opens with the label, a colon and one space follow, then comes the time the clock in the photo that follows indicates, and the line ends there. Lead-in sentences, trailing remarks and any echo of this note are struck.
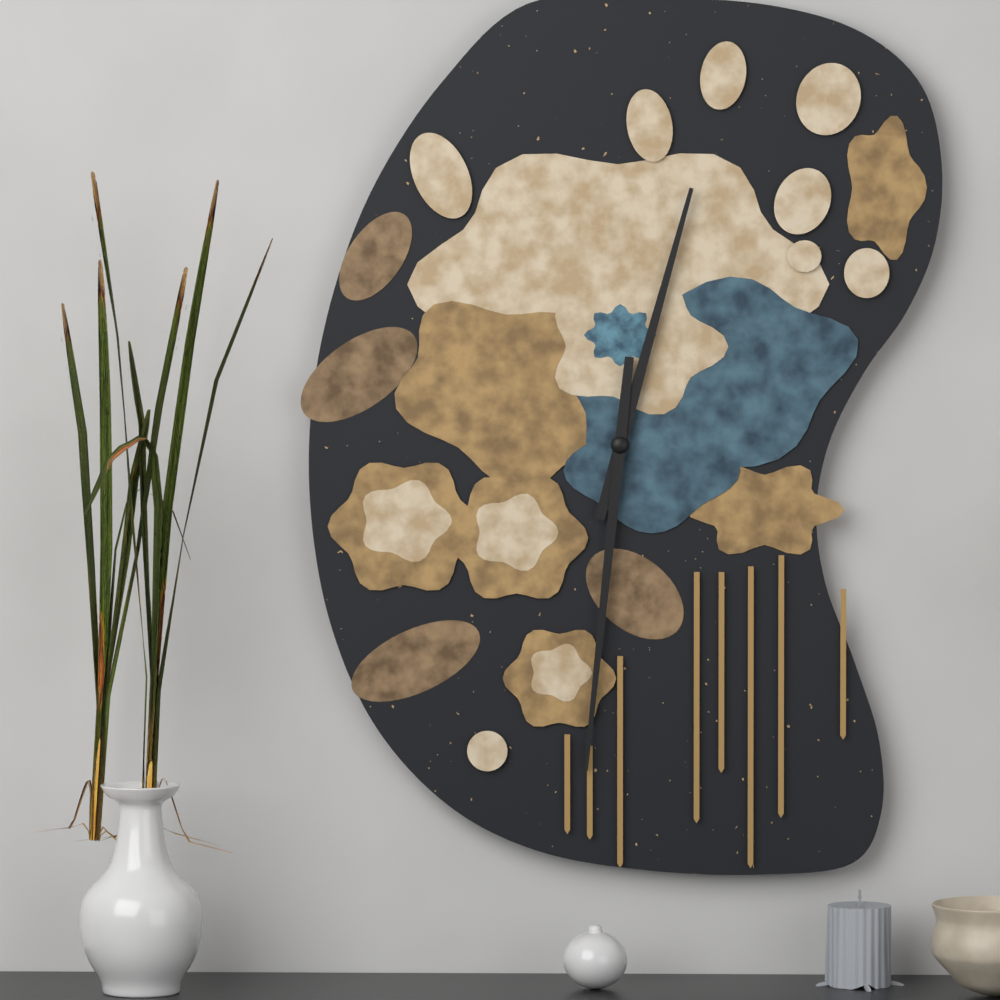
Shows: 12:31
